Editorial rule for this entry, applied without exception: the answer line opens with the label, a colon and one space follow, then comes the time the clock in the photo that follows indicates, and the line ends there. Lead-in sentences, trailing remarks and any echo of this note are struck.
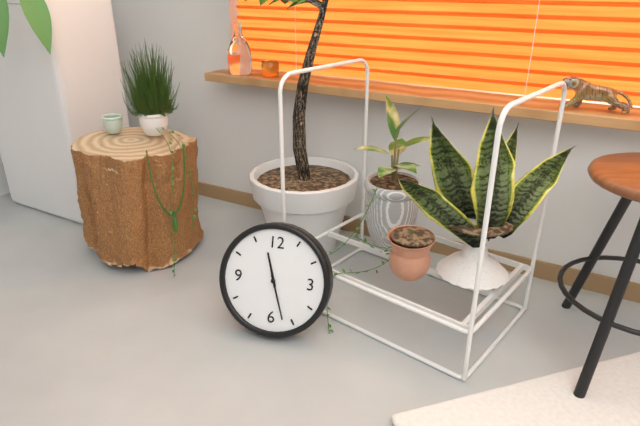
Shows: 11:27
